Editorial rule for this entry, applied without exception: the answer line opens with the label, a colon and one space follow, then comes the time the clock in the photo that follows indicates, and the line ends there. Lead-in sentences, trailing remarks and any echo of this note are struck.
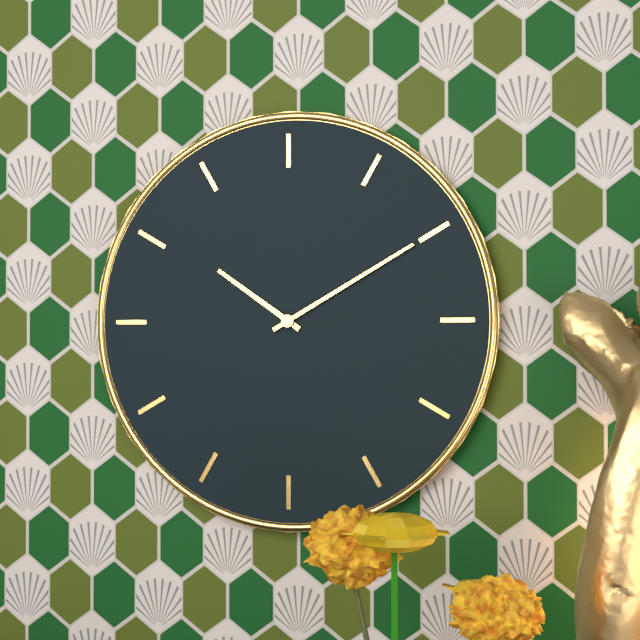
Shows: 10:10
